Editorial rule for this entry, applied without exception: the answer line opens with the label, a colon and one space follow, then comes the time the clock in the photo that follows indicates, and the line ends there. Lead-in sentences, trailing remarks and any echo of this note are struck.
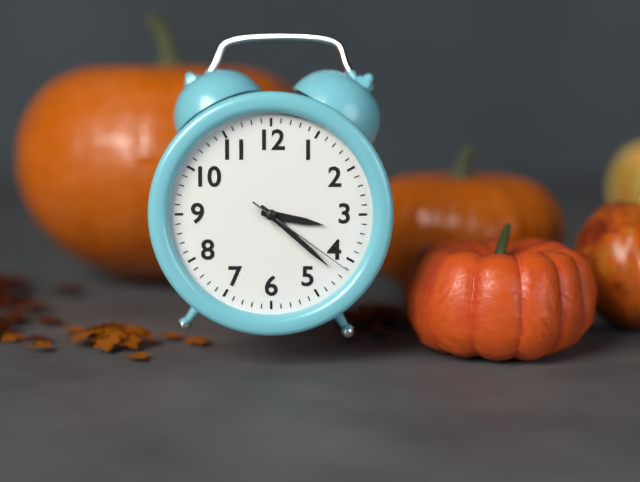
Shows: 3:22:21
